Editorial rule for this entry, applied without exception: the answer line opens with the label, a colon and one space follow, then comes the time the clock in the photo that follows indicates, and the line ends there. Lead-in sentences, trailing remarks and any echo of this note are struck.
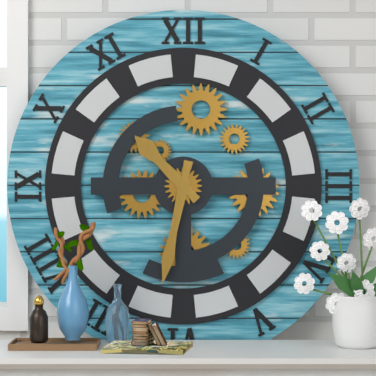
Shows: 10:32
